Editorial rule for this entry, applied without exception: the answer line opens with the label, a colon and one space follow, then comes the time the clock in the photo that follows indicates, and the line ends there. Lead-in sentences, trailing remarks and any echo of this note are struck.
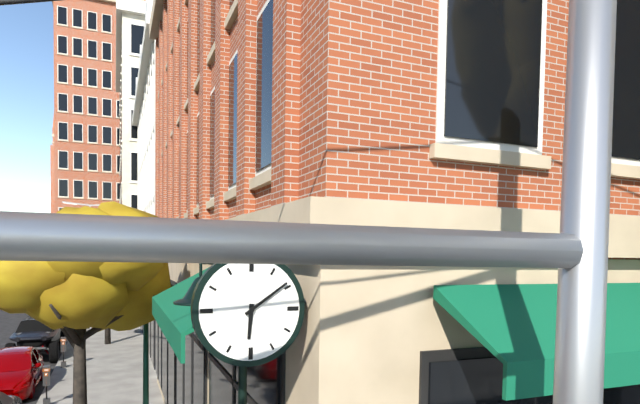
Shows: 6:09
